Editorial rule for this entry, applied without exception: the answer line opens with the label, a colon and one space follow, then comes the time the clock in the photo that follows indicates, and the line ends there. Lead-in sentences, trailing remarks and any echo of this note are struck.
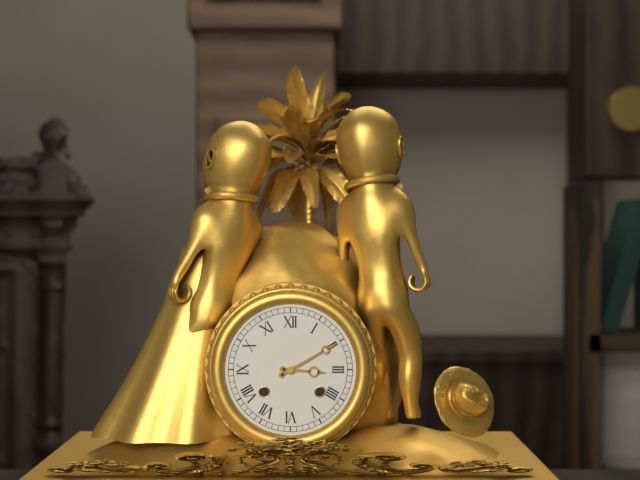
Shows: 3:10
